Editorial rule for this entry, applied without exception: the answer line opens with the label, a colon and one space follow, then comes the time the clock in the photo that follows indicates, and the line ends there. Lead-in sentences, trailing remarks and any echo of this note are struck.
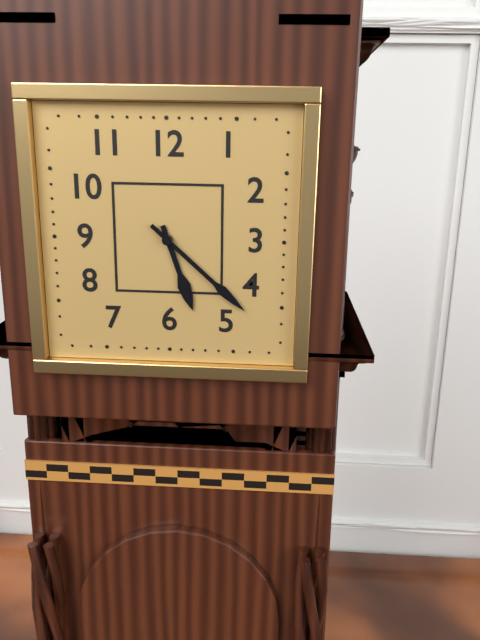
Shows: 5:22
